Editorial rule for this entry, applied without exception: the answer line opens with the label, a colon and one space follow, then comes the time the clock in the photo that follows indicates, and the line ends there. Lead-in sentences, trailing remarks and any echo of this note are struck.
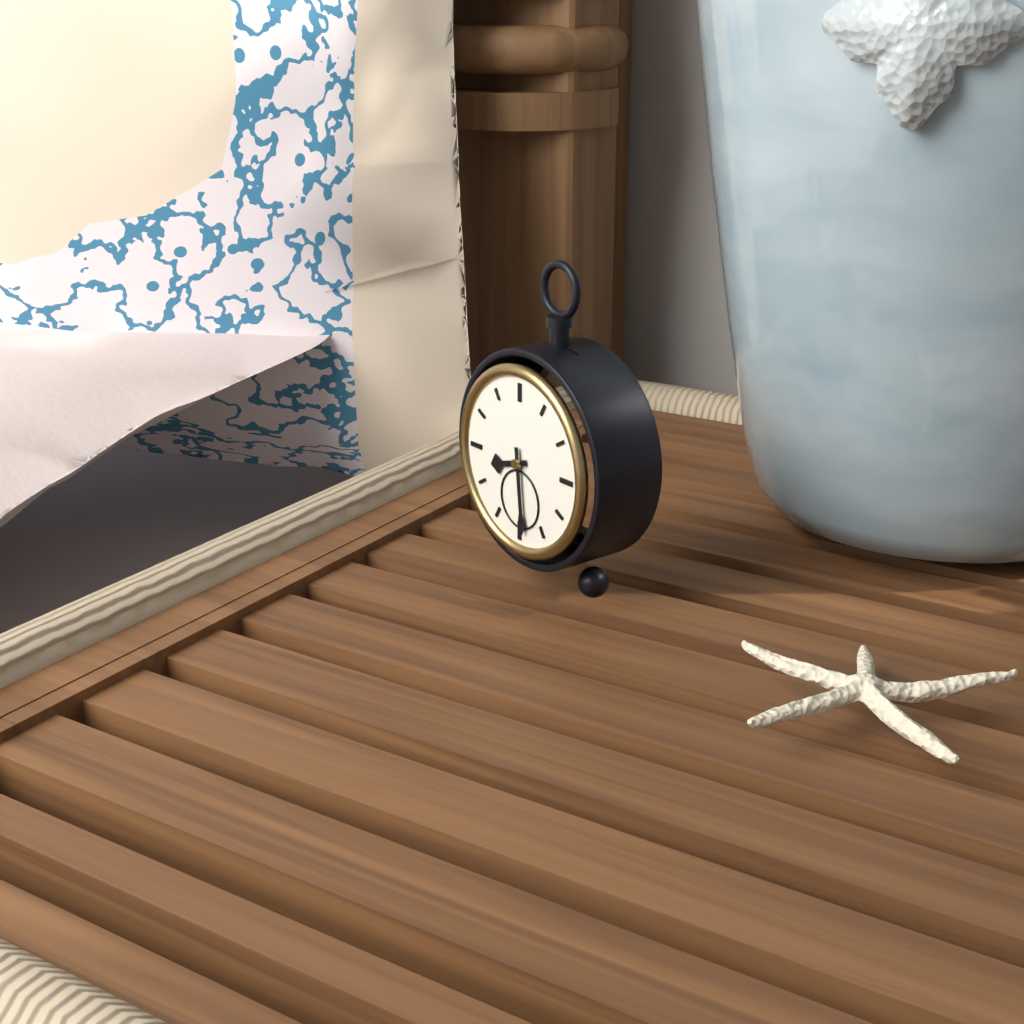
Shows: 8:29
